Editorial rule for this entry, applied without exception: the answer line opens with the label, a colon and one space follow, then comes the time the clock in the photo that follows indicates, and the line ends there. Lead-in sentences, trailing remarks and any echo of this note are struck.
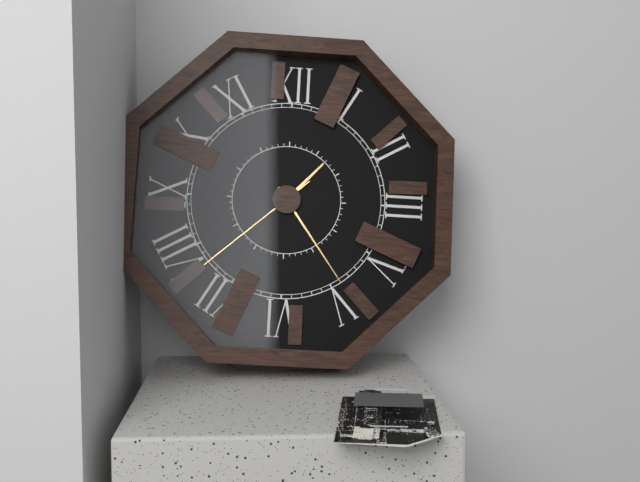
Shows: 1:24:38
